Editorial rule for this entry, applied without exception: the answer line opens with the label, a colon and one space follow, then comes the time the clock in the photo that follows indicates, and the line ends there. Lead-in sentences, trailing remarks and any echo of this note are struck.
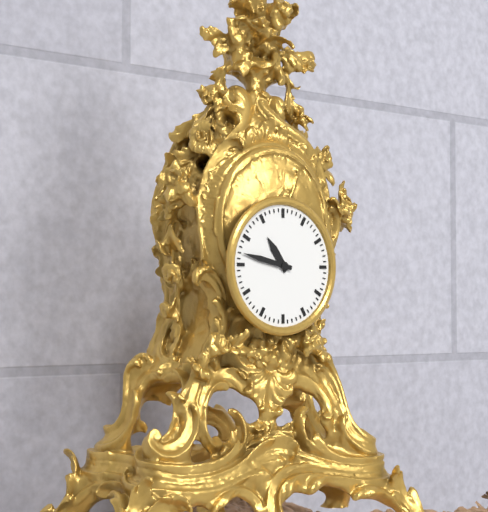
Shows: 10:47
